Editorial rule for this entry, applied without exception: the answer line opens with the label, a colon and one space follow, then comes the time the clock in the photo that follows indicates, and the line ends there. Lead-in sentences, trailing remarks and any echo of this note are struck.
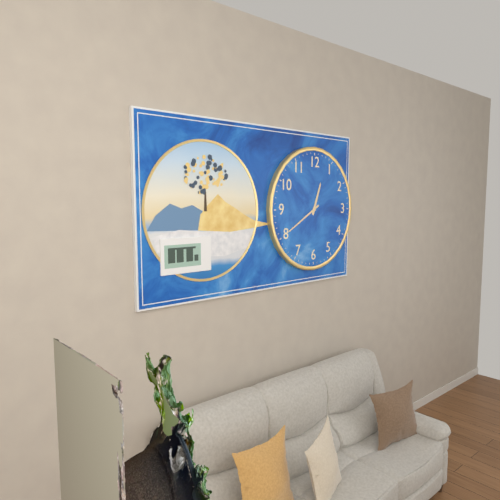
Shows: 12:40
